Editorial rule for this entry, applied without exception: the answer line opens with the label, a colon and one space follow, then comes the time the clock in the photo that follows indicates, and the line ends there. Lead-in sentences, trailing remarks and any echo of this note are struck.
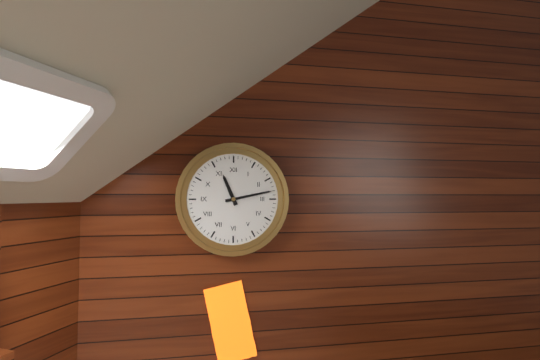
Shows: 11:13
